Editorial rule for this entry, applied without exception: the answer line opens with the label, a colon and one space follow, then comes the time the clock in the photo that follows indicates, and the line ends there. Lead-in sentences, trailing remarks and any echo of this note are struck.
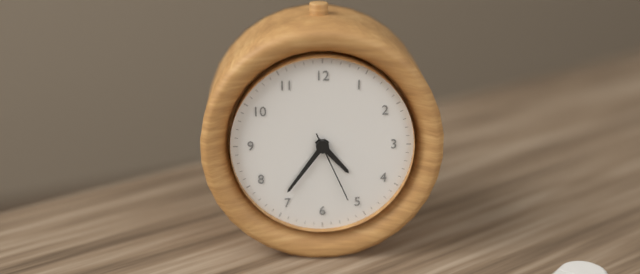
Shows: 4:36:26
